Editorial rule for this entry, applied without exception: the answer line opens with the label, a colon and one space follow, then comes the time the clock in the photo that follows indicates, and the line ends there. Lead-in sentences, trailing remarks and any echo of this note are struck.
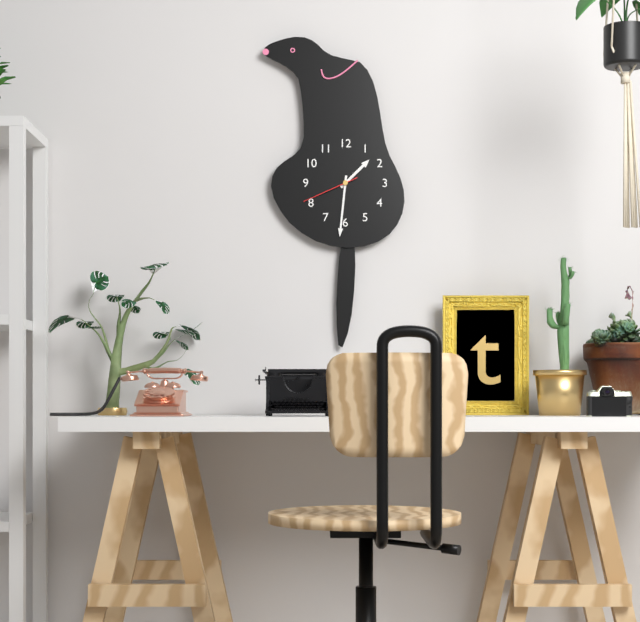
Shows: 1:31:41
